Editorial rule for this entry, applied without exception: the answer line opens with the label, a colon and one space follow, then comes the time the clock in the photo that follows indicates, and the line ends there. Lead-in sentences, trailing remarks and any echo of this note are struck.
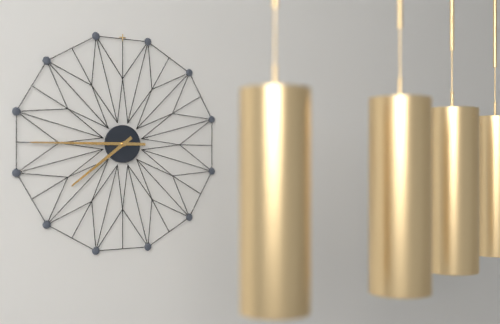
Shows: 7:45
